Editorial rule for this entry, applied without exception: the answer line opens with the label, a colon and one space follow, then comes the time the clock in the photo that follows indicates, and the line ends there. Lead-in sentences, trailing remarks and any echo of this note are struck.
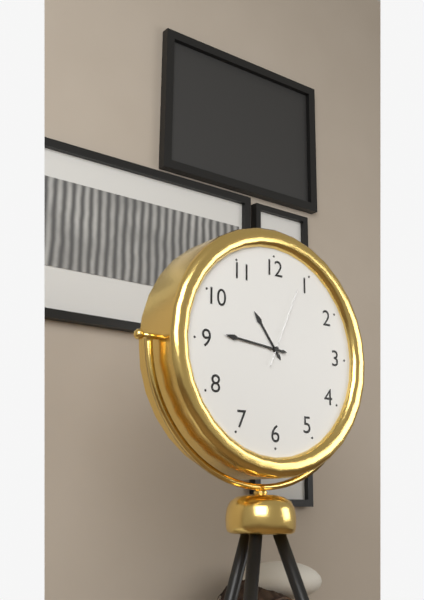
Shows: 10:46:04
